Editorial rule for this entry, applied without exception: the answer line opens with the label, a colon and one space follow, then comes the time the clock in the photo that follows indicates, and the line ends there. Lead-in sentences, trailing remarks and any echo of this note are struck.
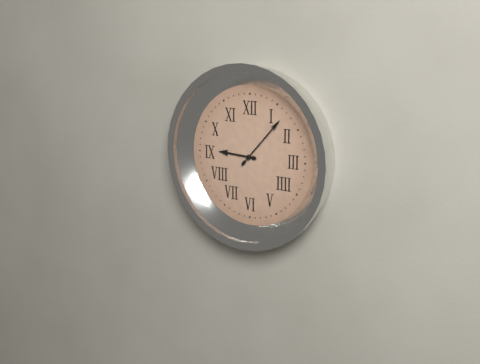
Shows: 9:07
